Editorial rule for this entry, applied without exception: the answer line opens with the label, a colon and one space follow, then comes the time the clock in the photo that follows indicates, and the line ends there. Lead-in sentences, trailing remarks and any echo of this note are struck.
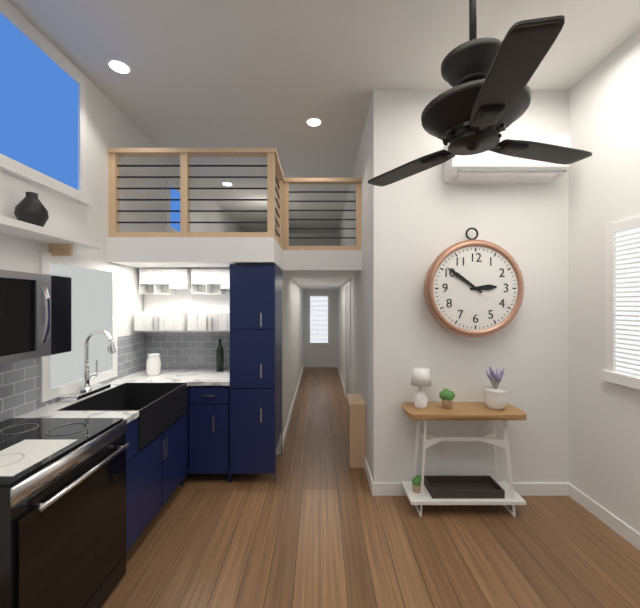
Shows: 2:51
